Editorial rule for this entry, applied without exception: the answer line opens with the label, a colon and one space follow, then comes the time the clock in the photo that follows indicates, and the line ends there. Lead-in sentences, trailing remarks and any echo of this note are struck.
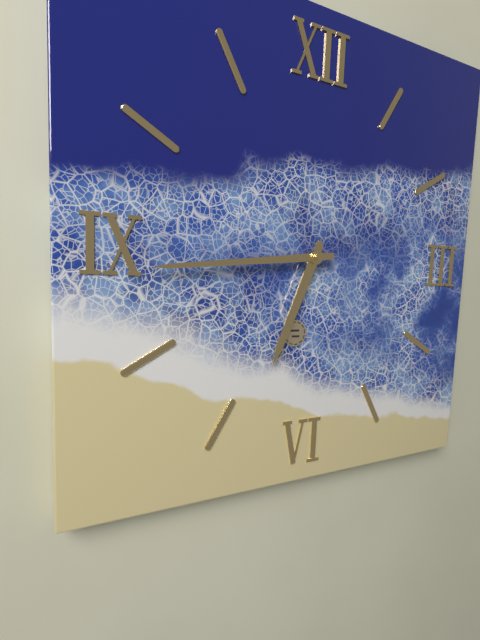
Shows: 6:44
